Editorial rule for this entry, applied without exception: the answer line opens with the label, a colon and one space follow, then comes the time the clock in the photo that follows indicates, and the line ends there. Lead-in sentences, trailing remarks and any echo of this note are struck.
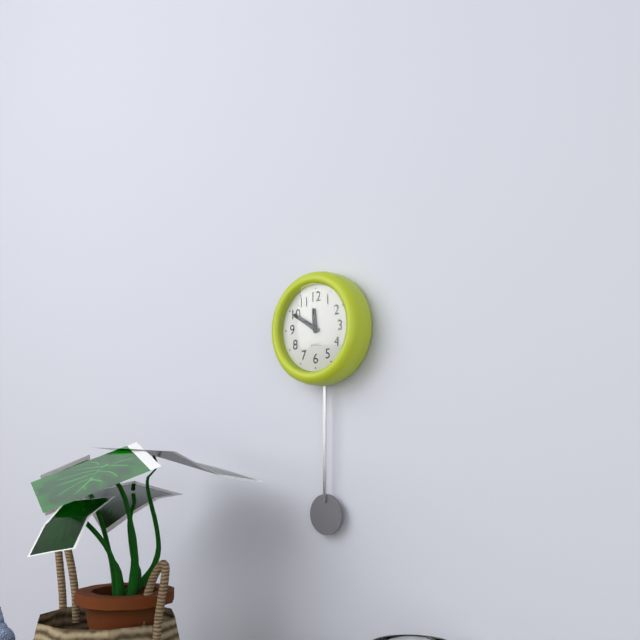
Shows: 11:50
